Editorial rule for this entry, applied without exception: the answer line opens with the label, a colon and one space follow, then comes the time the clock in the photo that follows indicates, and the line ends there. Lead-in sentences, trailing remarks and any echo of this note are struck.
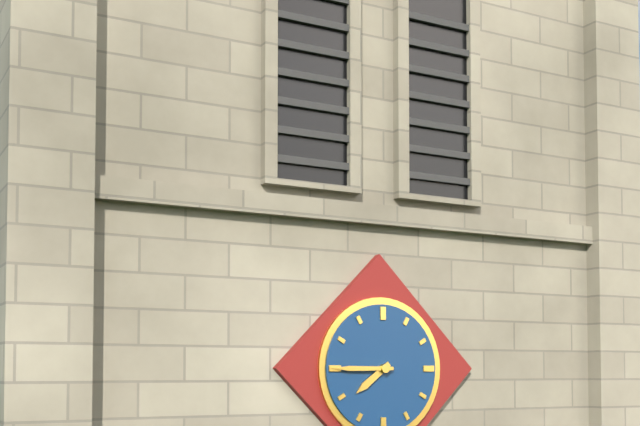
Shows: 7:45
